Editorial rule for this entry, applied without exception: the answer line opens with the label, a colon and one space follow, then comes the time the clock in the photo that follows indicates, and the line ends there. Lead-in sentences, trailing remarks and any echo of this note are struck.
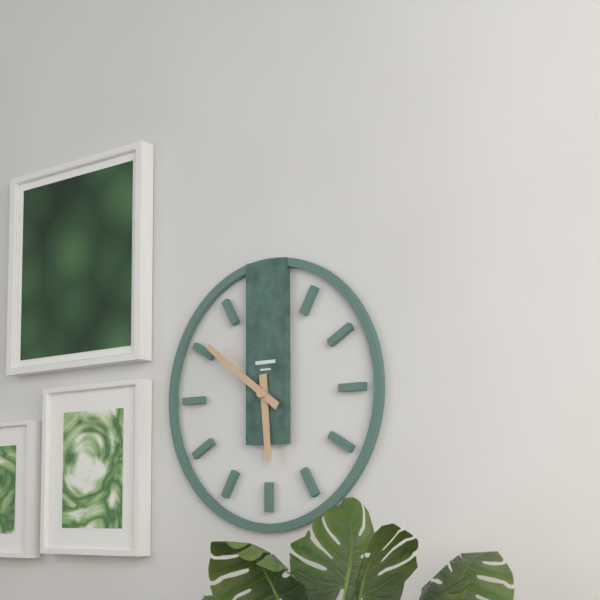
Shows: 5:51
